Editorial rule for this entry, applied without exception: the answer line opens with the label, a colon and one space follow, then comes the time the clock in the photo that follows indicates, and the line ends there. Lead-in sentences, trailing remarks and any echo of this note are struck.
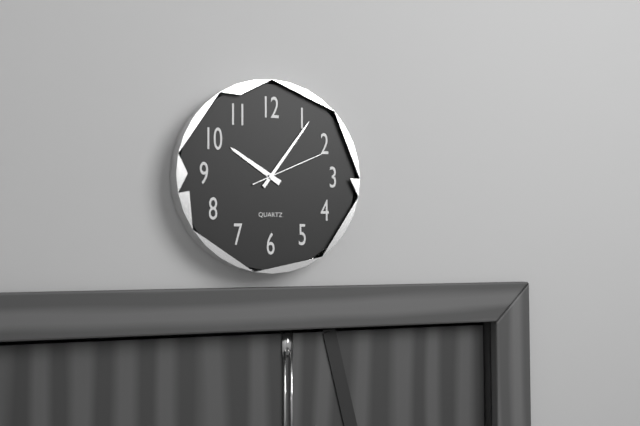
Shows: 10:06:11
